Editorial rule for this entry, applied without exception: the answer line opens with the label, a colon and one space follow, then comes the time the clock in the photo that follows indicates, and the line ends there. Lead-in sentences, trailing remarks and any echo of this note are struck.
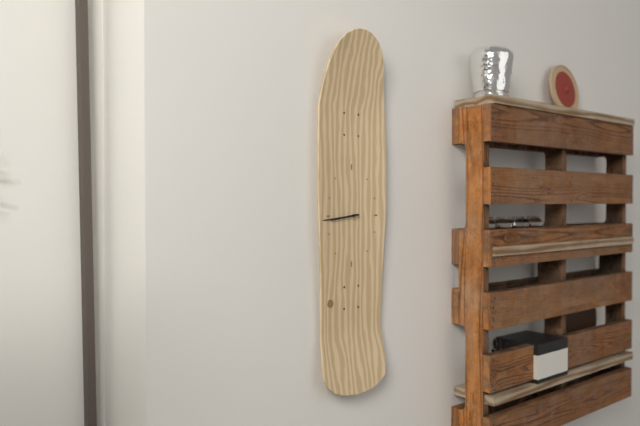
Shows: 8:44
